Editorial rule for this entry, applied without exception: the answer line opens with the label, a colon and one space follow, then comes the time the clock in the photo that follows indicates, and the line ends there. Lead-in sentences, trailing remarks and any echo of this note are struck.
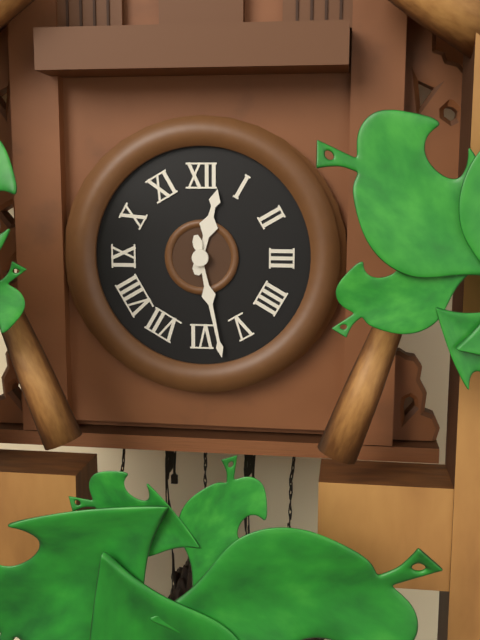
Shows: 12:28
